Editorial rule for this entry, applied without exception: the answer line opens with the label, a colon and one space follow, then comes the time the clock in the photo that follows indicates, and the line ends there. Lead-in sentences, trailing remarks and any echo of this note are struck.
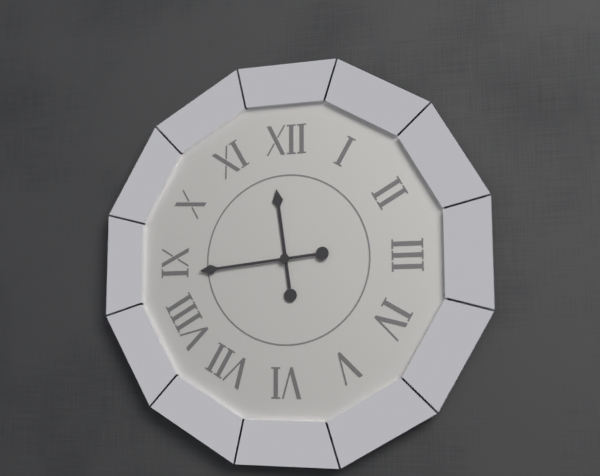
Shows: 11:44
